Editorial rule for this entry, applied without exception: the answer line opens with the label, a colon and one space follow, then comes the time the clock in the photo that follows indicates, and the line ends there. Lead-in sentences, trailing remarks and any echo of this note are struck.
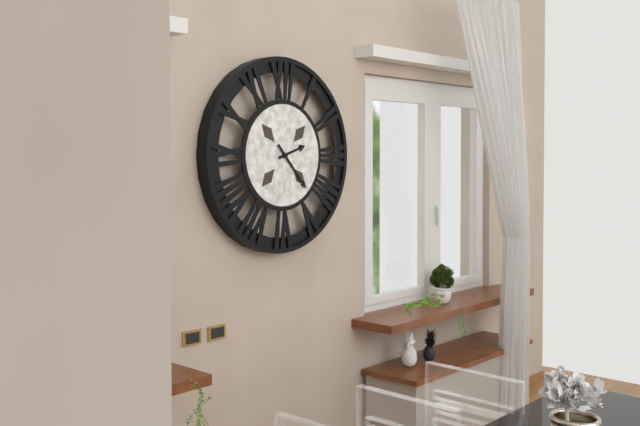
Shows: 2:23
